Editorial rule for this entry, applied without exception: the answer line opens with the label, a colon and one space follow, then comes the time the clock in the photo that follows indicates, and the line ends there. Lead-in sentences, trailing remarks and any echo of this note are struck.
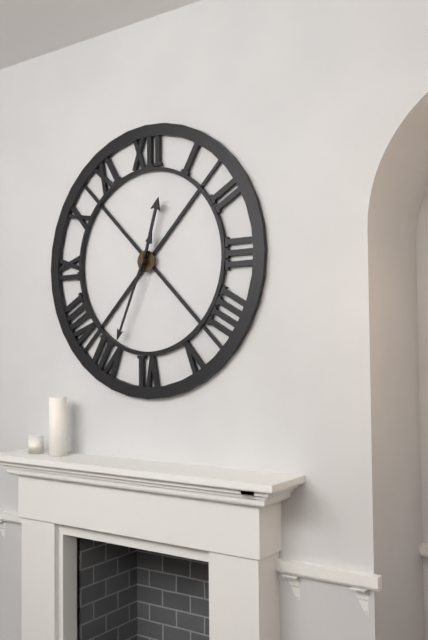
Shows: 12:34
